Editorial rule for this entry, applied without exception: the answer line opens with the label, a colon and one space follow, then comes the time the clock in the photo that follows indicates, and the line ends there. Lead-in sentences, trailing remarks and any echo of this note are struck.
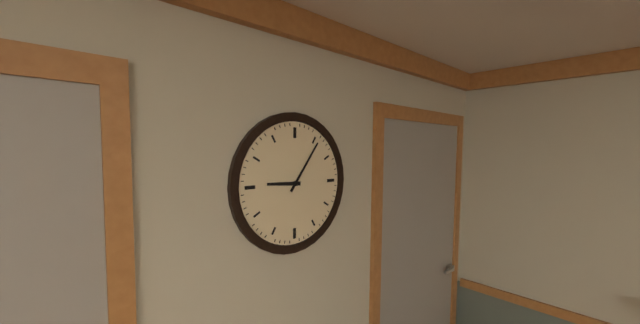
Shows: 9:06
